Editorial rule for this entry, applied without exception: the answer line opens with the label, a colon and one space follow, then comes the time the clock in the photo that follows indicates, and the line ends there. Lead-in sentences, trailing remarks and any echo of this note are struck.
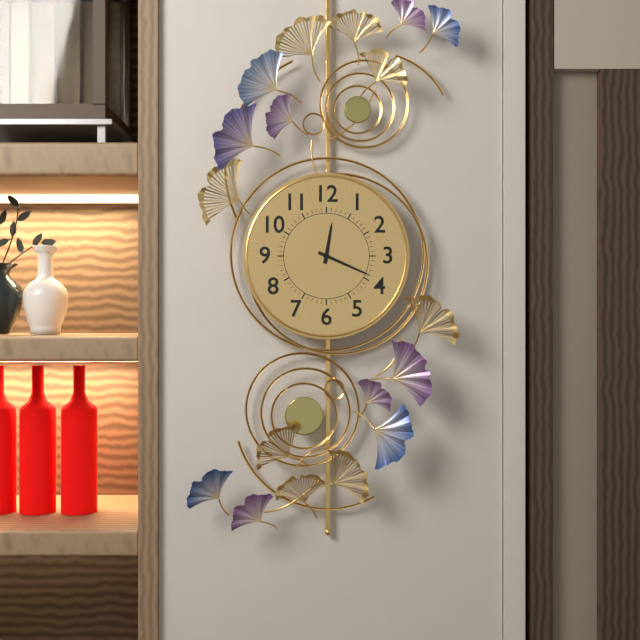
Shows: 12:19
